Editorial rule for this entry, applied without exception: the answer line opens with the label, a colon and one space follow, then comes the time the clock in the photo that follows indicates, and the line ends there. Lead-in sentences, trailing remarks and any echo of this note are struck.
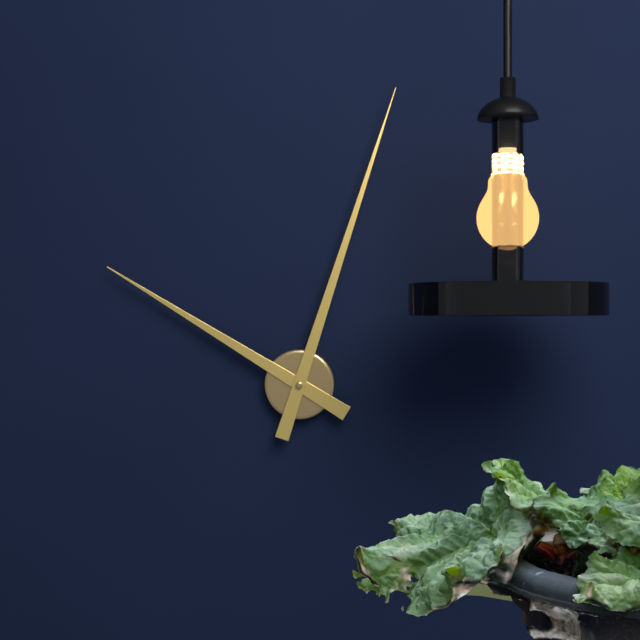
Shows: 10:03
